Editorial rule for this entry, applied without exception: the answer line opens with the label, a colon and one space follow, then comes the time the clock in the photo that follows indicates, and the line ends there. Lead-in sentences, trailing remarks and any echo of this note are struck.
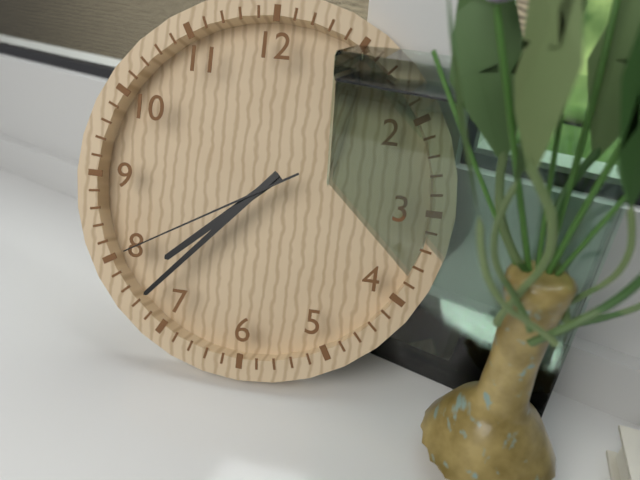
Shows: 7:37:40
